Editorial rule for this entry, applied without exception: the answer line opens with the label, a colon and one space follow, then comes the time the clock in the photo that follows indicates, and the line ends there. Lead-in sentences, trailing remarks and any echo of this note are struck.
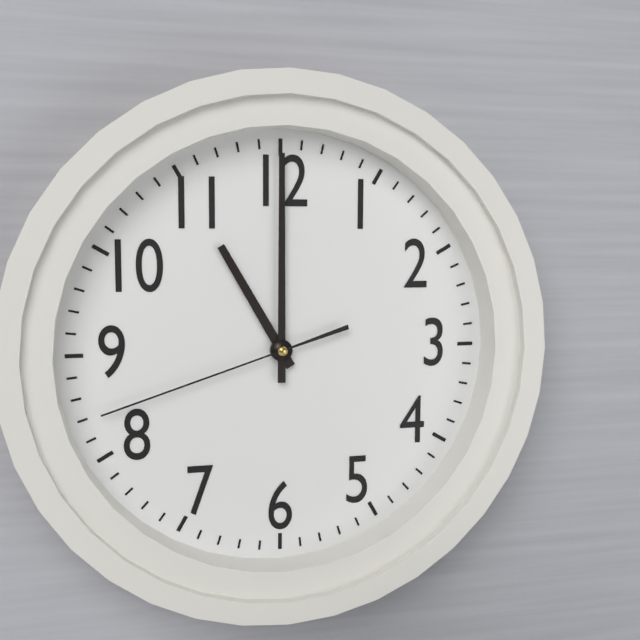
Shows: 11:00:42
